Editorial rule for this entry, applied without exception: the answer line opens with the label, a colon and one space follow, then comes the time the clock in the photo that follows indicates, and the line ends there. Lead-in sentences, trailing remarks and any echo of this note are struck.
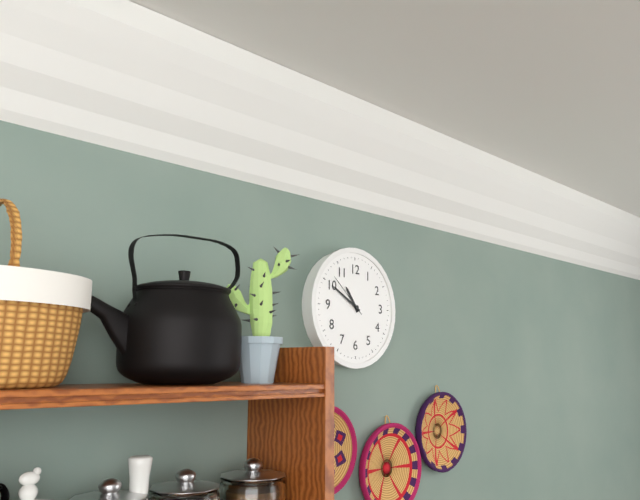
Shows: 10:50
